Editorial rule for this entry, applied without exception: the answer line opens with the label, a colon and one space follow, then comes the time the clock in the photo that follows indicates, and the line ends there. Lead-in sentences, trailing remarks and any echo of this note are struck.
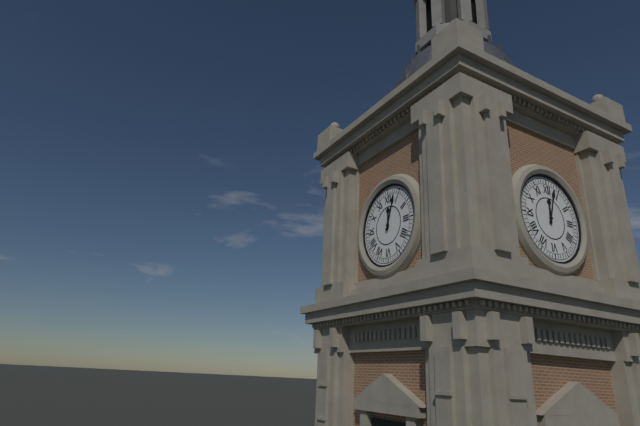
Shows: 12:03
